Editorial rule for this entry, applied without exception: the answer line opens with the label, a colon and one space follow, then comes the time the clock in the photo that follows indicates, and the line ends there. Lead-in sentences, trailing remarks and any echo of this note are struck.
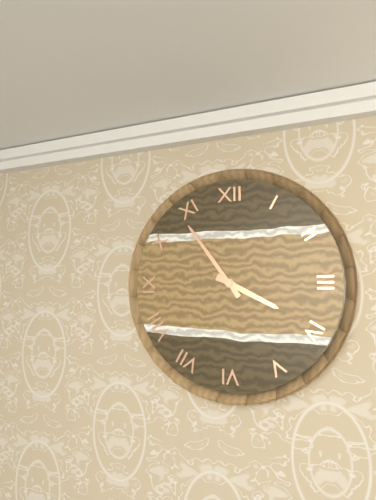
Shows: 3:54
